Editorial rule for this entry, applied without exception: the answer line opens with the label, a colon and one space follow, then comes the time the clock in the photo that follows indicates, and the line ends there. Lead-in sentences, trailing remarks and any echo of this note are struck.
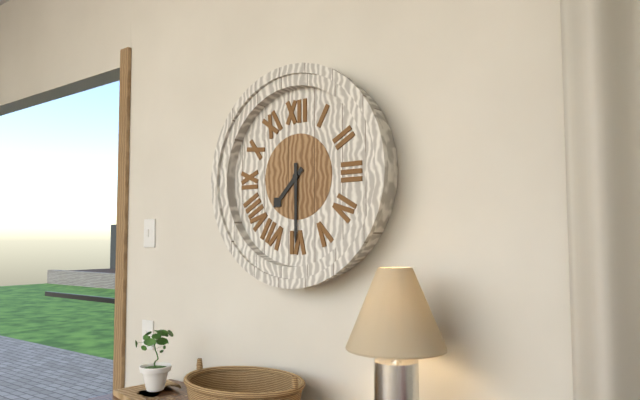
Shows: 7:30
